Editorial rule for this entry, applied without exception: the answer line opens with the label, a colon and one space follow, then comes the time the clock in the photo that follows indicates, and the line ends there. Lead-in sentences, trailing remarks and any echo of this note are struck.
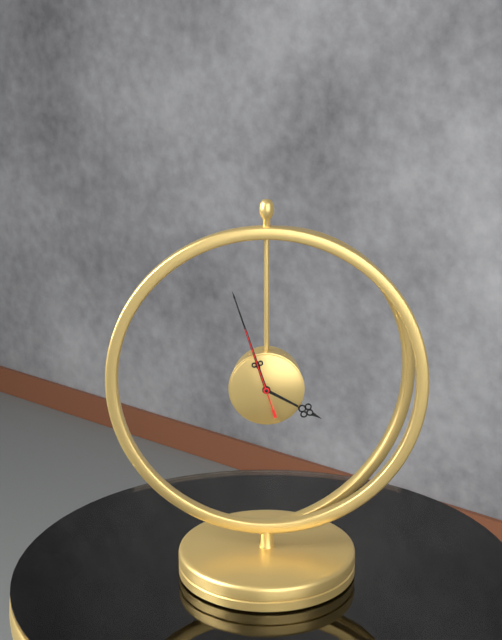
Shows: 3:57:57
